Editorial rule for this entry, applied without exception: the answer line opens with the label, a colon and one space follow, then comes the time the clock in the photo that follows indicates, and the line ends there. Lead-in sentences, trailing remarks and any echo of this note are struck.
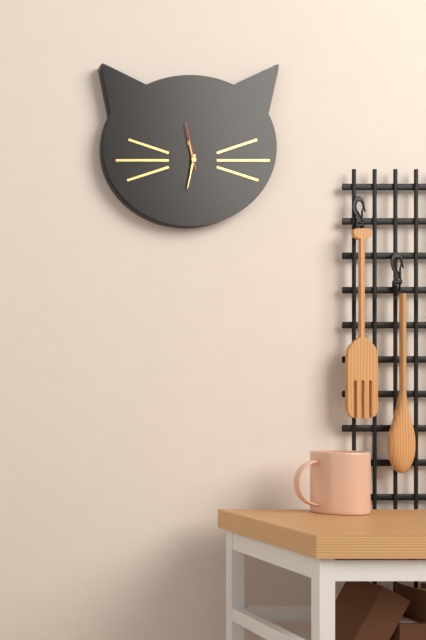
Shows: 11:32:58
